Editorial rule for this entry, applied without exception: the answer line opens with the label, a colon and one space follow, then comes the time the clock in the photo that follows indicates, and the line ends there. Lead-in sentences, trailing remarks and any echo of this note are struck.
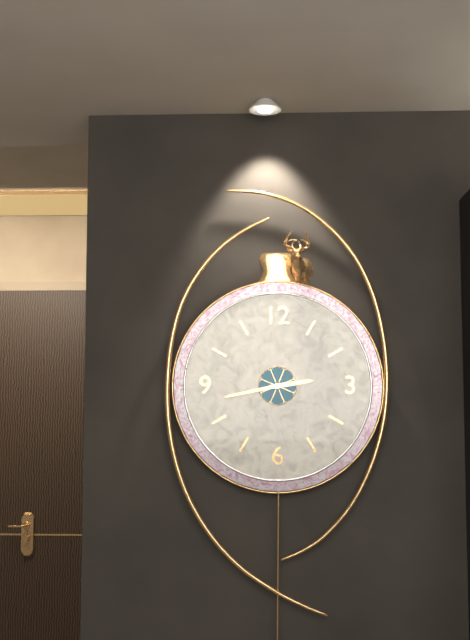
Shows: 2:43
